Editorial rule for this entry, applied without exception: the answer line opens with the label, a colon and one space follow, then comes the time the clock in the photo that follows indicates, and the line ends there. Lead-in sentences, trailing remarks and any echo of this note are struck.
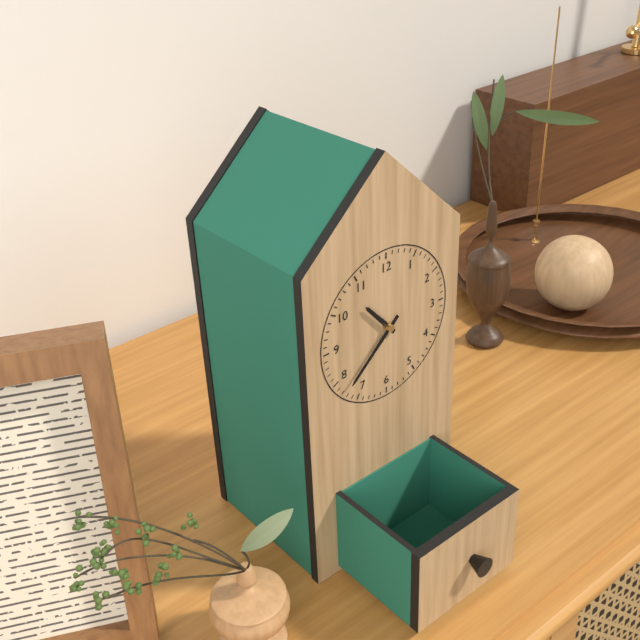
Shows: 10:38
